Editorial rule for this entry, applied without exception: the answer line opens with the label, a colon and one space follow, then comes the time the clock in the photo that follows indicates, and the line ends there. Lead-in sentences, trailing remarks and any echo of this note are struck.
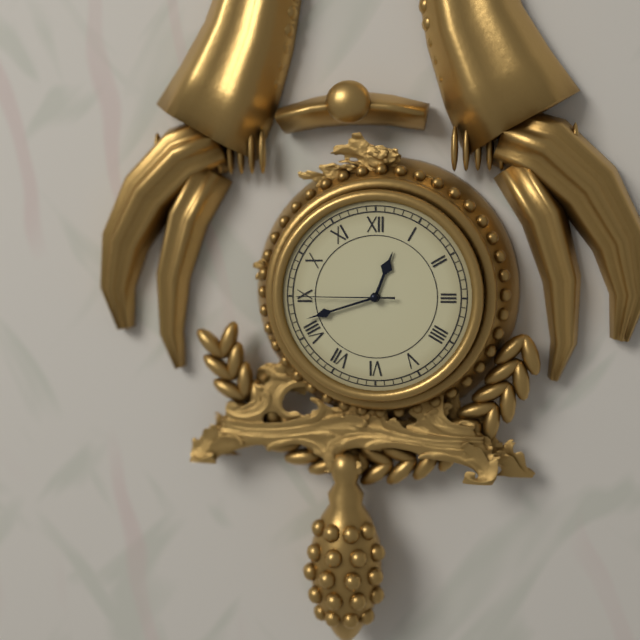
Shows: 12:42:45
